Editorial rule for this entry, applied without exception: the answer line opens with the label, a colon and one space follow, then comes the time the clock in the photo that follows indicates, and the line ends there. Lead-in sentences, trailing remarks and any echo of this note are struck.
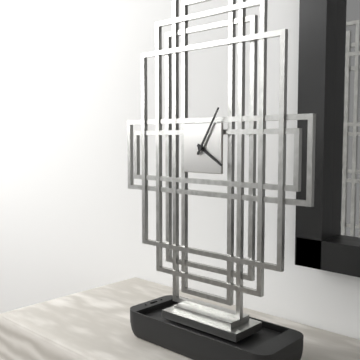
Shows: 4:05
